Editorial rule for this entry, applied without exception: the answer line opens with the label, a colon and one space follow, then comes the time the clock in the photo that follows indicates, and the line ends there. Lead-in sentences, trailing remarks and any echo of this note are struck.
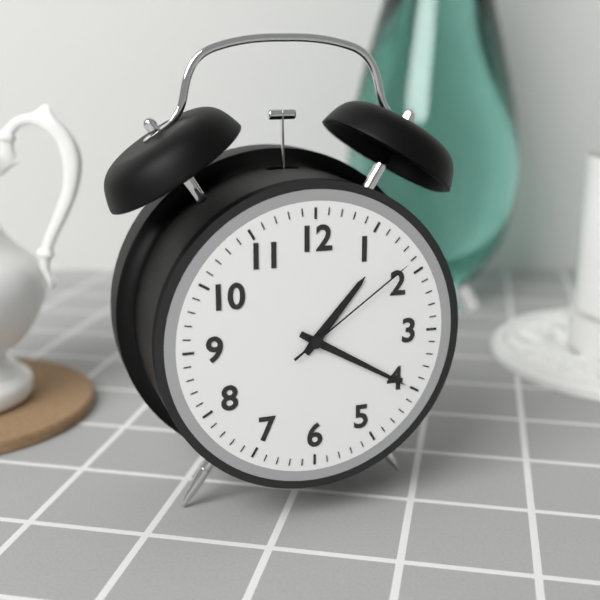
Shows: 1:20:09
